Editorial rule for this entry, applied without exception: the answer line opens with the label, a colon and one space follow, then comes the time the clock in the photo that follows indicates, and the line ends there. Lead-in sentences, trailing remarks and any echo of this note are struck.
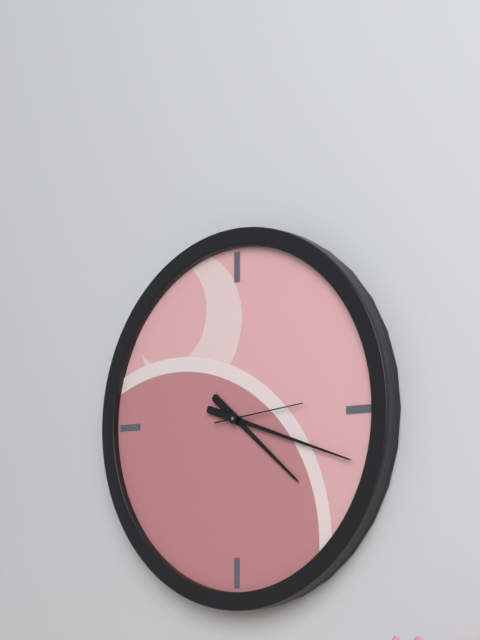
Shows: 4:18:14
